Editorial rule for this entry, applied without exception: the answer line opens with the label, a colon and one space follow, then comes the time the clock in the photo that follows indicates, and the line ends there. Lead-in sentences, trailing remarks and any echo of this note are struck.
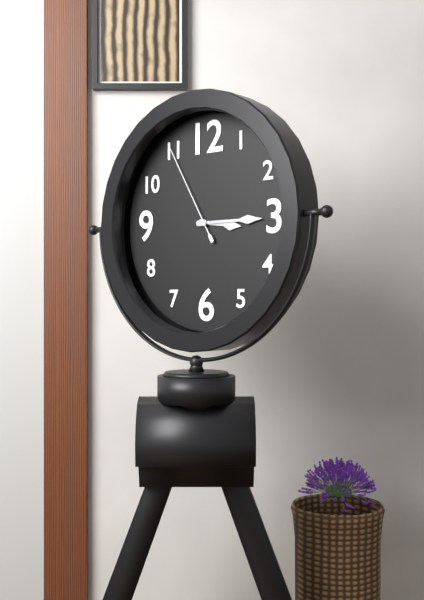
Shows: 3:15:55
